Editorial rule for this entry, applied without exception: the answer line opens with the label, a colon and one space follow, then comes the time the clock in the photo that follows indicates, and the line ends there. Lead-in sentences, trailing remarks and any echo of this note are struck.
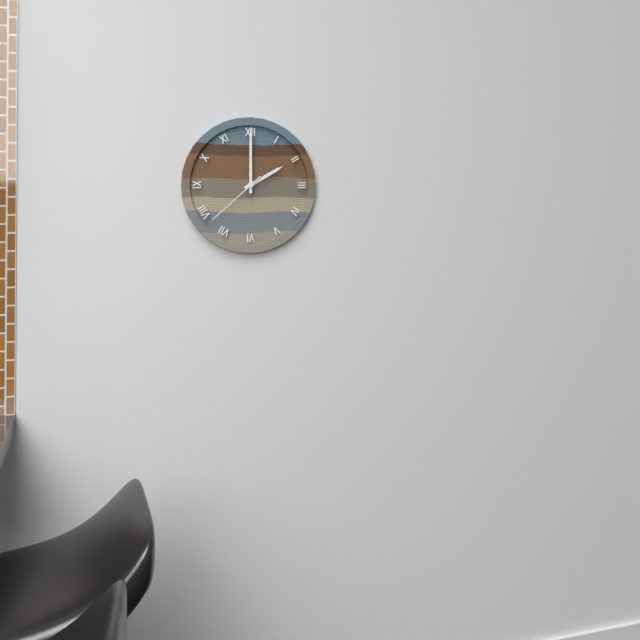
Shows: 2:00:38
